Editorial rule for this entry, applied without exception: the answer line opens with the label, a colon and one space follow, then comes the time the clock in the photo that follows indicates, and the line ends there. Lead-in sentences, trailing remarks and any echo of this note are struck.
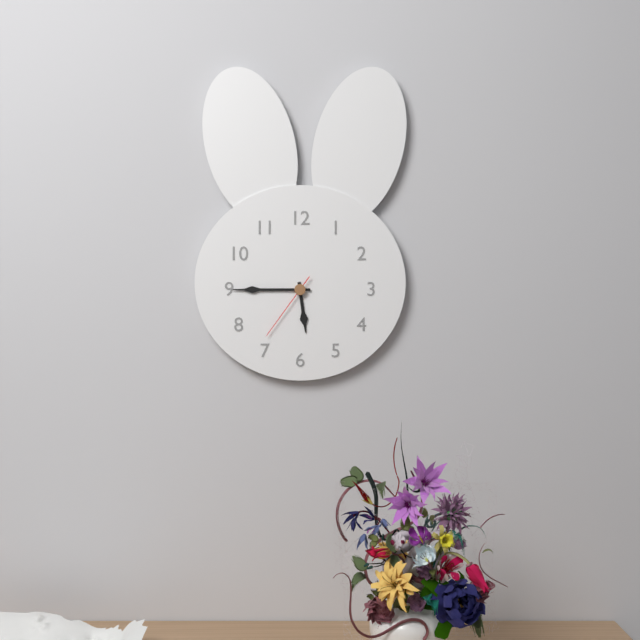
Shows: 5:45:36
